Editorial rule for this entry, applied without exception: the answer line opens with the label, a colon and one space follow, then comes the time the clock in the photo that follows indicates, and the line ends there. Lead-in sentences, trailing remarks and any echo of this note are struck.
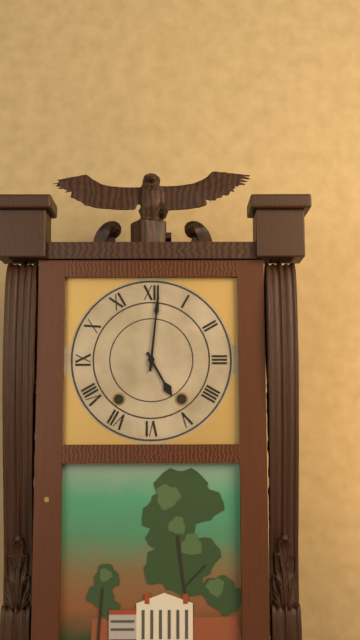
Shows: 5:01
